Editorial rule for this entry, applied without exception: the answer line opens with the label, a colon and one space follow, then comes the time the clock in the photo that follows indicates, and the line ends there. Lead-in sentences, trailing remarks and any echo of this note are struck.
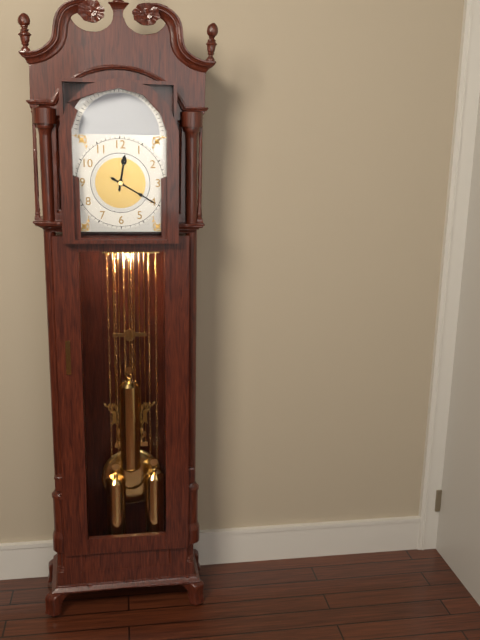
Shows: 12:20
